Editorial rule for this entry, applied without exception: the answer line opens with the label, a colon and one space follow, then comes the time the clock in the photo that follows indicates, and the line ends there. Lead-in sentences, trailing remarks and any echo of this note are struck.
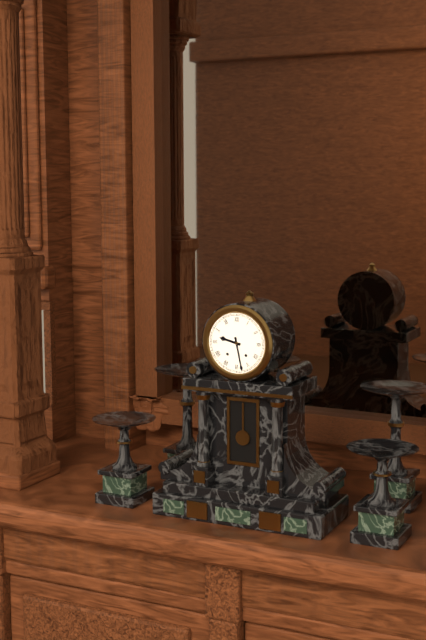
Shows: 9:28
